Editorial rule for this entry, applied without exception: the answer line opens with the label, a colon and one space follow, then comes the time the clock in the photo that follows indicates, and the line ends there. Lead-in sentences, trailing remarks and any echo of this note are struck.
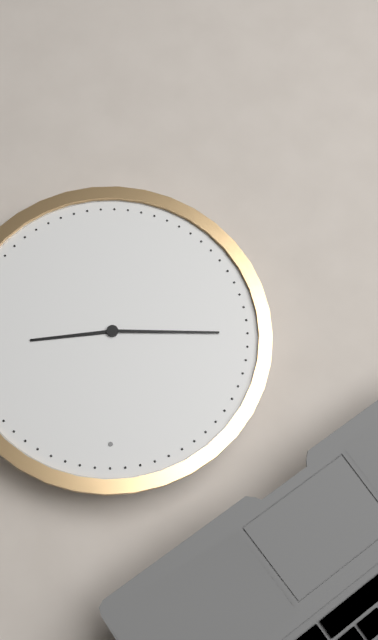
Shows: 2:45
